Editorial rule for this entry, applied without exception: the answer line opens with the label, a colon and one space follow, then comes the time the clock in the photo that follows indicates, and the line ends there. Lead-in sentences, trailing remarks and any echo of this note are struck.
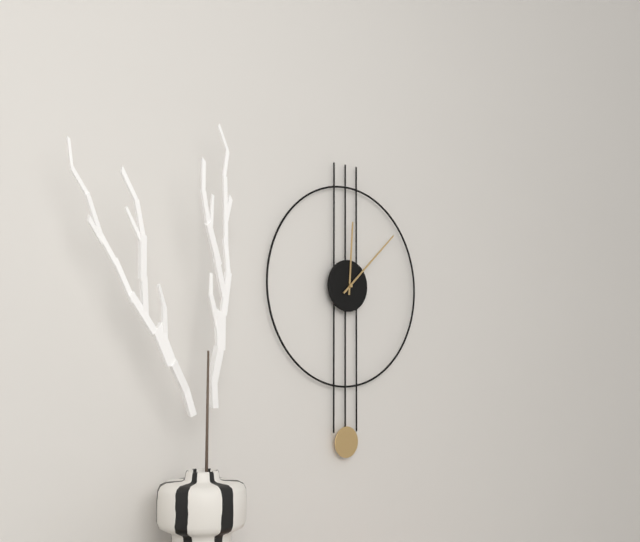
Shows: 12:08
